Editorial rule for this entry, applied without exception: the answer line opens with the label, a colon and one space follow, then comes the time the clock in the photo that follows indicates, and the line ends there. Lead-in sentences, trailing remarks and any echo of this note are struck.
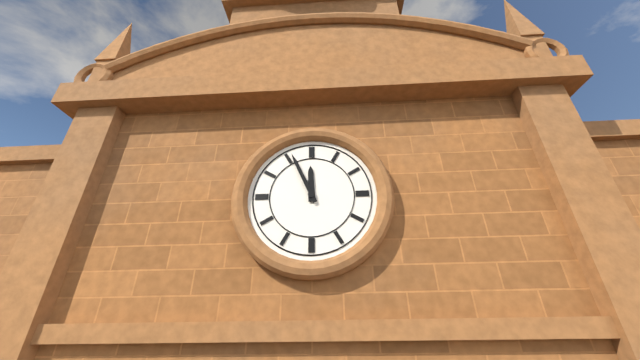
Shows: 11:56
